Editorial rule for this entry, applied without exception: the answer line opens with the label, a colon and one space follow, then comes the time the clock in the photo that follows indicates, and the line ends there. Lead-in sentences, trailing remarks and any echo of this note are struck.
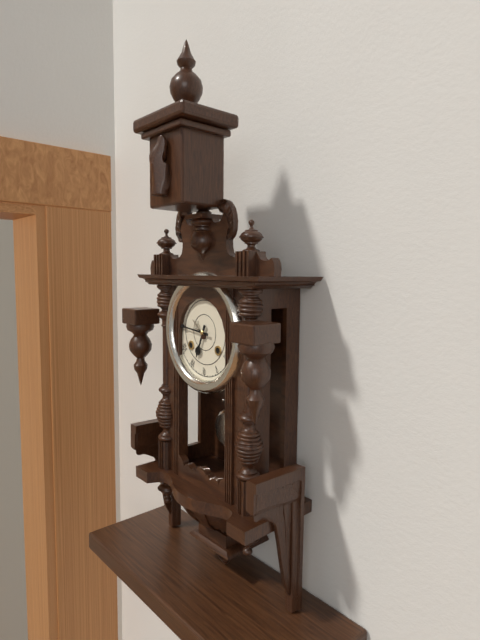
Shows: 6:46
